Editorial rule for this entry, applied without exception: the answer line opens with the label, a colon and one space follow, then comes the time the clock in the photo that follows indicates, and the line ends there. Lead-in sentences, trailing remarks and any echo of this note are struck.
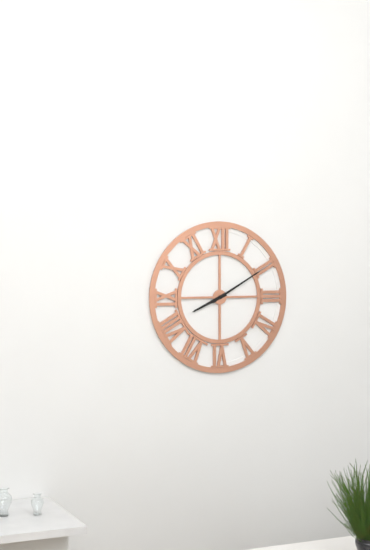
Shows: 8:10
